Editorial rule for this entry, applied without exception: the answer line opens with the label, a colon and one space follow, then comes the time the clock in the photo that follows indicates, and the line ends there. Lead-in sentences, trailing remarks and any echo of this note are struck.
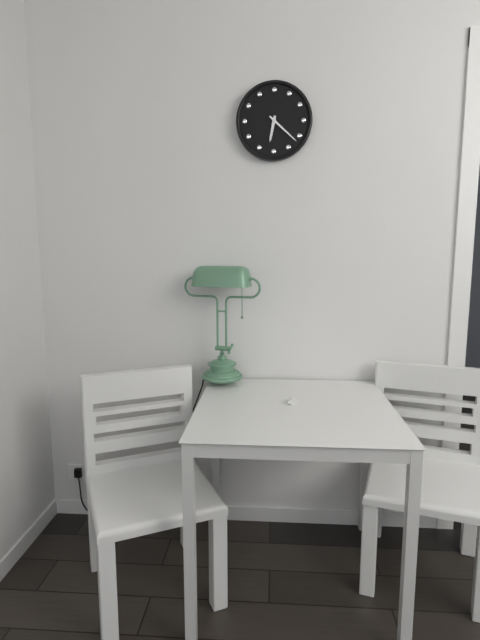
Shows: 6:22
